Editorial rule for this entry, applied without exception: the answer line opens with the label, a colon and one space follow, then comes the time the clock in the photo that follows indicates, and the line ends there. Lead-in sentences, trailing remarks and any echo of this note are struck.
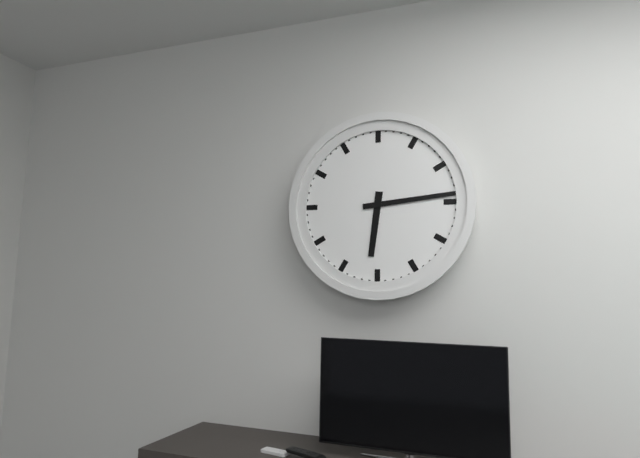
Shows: 6:14
